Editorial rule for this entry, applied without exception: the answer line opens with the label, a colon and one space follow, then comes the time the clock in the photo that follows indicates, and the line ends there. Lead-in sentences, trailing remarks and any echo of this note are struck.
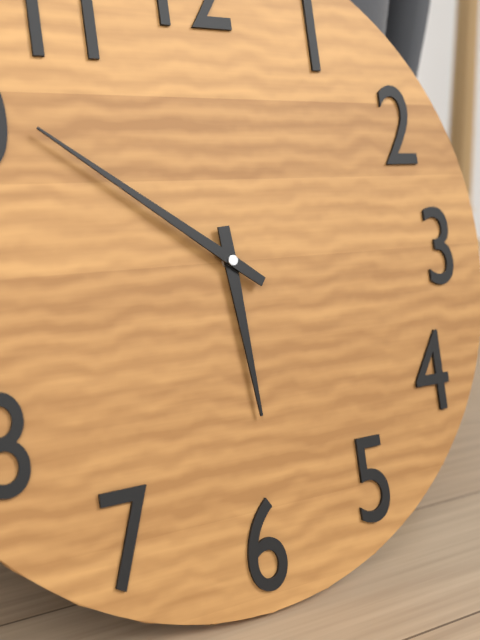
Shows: 5:51
